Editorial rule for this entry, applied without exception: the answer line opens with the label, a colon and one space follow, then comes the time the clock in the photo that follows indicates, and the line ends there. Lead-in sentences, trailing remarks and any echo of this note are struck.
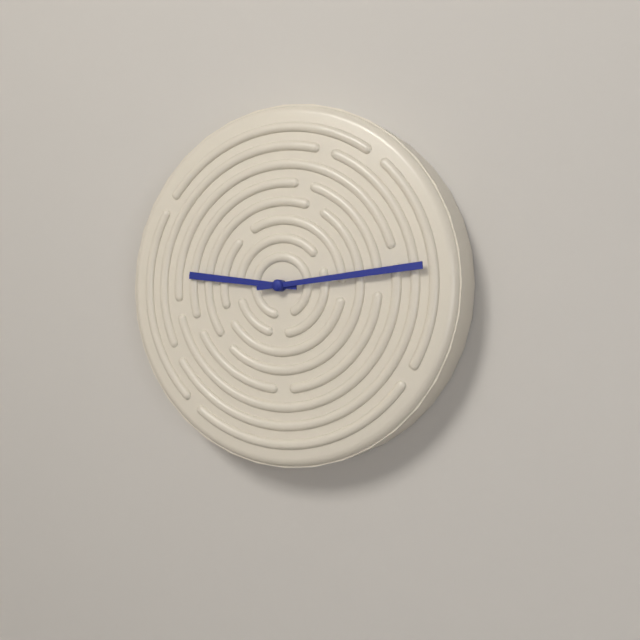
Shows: 9:14
